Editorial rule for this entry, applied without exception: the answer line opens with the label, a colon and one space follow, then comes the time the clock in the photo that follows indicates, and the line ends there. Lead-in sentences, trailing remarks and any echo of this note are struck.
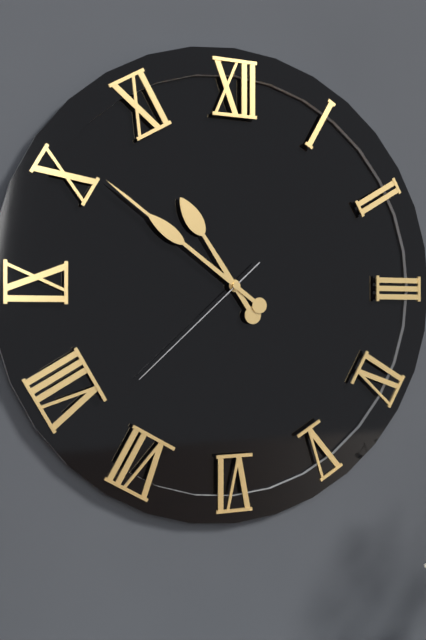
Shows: 10:51:38
